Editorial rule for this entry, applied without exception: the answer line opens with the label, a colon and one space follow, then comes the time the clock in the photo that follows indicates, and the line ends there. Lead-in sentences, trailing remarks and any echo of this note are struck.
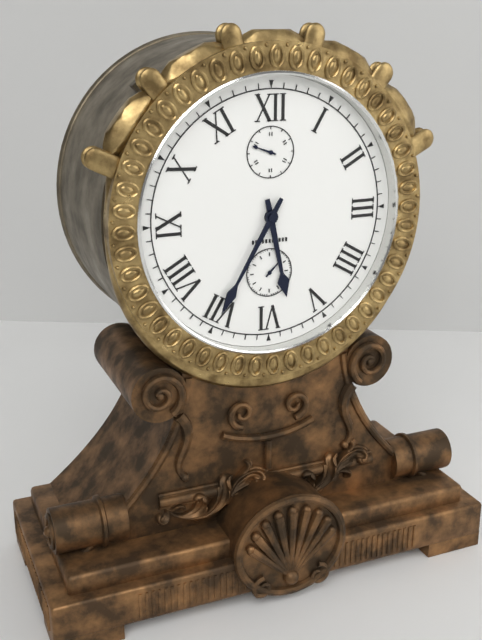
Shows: 5:35
